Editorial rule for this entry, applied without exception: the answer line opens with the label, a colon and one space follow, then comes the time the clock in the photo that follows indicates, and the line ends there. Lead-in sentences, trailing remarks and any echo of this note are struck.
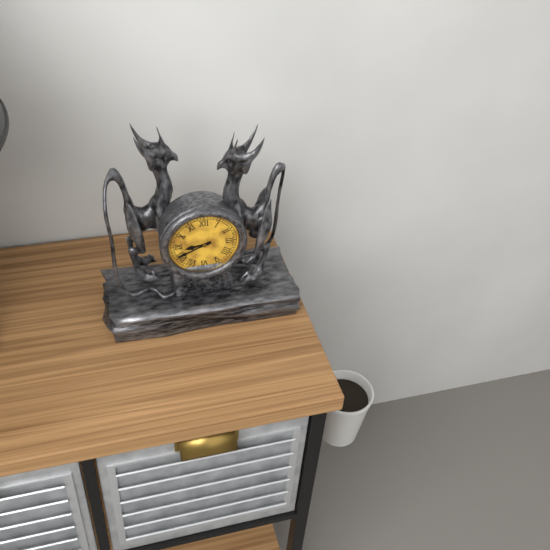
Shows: 8:41
